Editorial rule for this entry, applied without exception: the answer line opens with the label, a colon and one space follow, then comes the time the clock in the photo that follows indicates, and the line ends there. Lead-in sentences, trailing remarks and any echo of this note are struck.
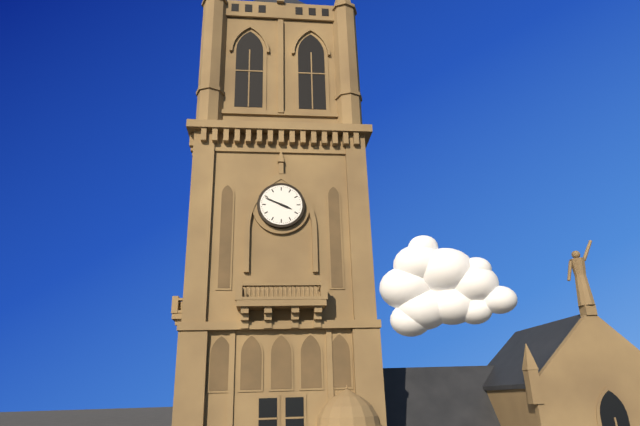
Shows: 3:49
